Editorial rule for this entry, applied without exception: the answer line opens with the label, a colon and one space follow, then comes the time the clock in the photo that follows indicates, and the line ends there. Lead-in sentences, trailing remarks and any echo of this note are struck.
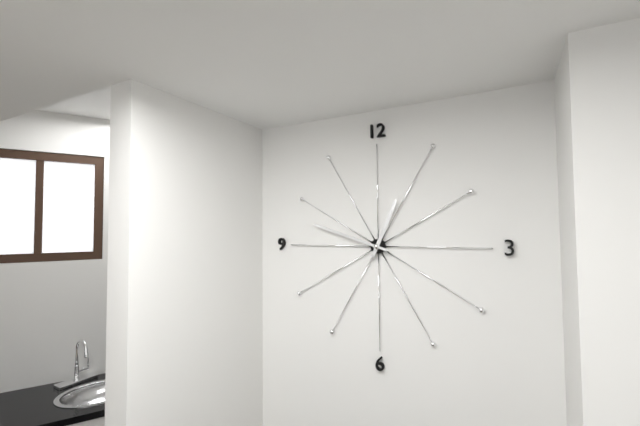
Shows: 12:48
